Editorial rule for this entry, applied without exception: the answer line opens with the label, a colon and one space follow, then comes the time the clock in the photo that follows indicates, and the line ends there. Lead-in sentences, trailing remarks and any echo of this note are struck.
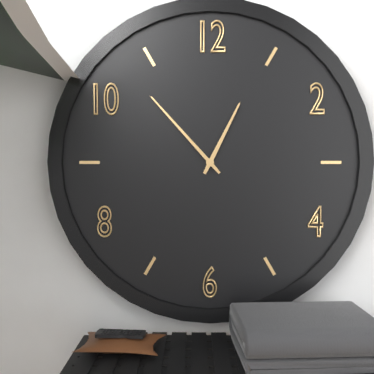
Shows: 12:53
